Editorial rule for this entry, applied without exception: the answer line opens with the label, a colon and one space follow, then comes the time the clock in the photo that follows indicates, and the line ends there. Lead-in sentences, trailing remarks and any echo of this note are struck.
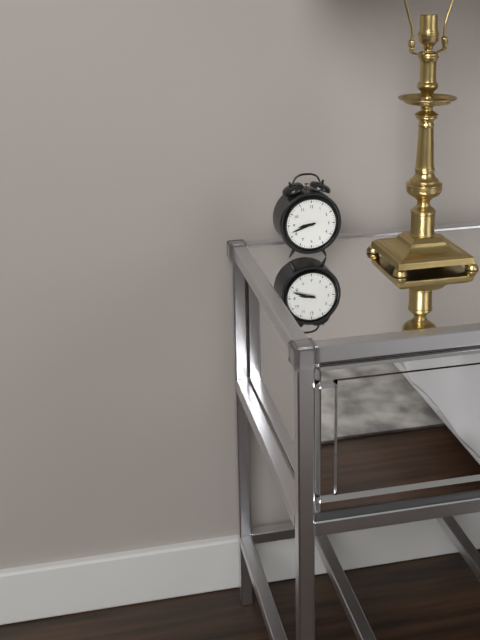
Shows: 8:42
